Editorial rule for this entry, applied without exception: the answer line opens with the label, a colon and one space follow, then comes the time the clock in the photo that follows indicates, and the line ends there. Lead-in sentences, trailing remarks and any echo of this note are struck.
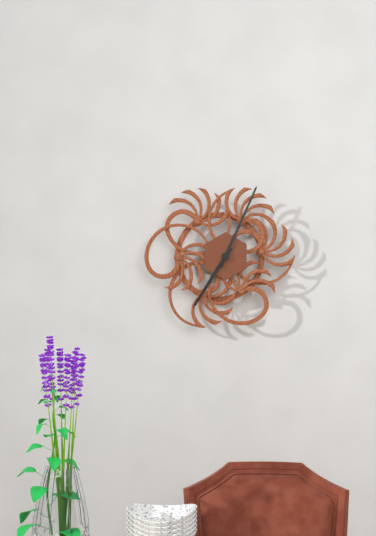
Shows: 7:04
